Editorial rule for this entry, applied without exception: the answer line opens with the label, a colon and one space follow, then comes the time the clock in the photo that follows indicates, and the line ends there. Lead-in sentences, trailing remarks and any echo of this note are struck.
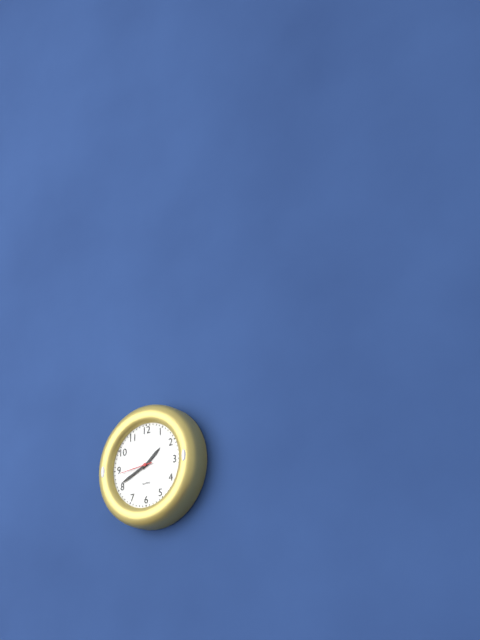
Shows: 1:41
